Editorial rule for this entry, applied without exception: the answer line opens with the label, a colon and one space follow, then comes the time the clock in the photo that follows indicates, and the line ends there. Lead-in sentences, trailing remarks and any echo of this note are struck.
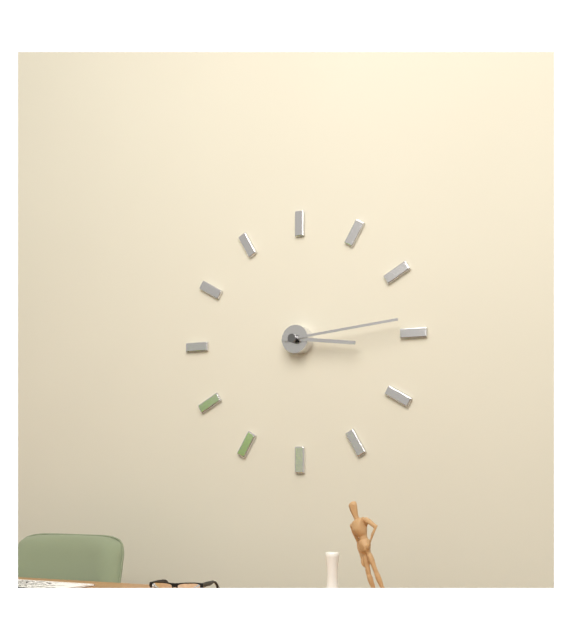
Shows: 3:14
